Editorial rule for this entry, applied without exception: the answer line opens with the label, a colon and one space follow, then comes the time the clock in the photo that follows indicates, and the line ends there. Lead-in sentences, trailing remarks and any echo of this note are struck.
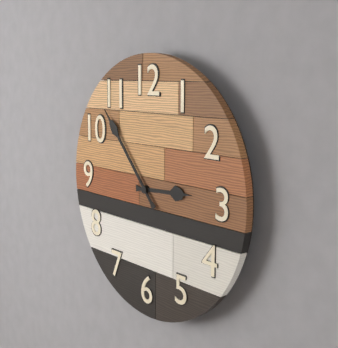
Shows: 2:53
